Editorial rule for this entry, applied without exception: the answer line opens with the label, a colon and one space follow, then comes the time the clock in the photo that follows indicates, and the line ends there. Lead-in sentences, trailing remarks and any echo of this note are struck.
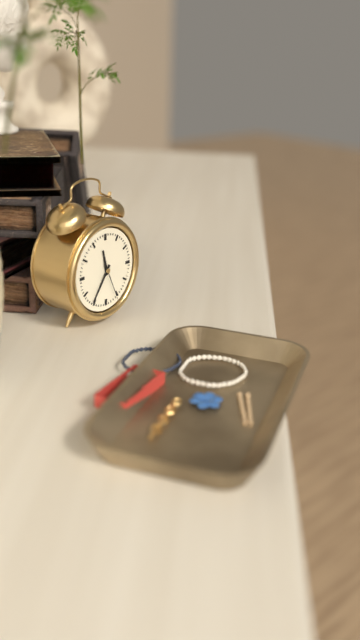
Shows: 11:36
